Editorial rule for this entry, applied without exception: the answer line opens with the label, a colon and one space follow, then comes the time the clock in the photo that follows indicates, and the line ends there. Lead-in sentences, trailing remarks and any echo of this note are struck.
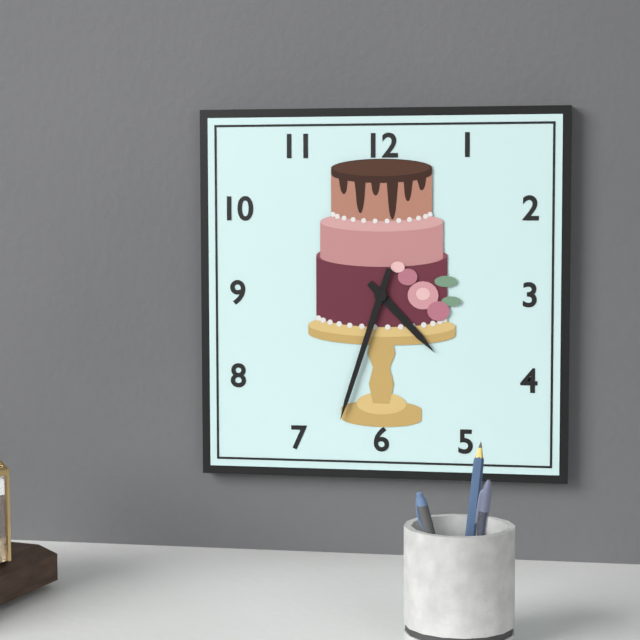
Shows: 4:33
